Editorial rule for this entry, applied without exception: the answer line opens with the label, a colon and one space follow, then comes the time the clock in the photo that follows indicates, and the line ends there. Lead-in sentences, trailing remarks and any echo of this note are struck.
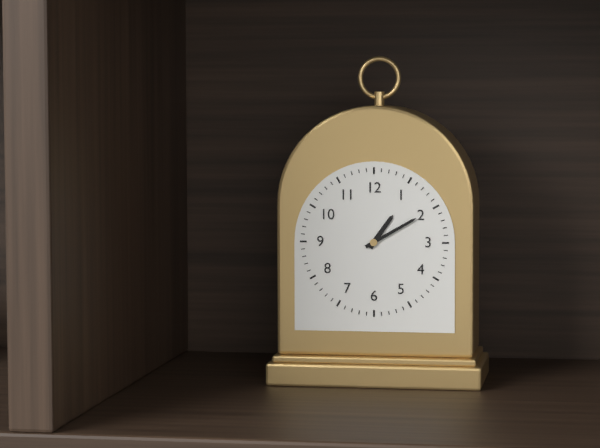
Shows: 1:10
